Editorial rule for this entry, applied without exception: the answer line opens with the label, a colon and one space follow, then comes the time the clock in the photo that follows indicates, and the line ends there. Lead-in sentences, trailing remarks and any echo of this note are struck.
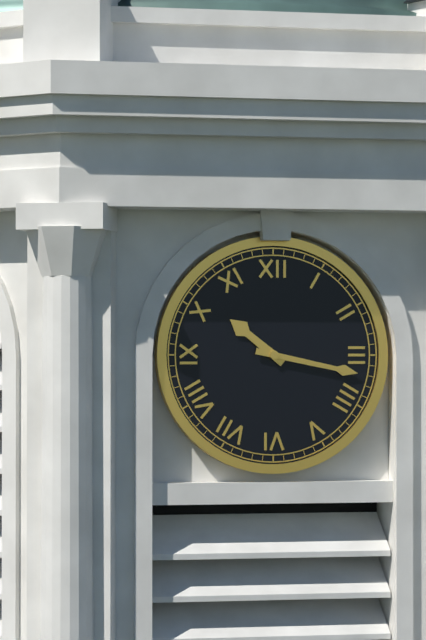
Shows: 10:17
